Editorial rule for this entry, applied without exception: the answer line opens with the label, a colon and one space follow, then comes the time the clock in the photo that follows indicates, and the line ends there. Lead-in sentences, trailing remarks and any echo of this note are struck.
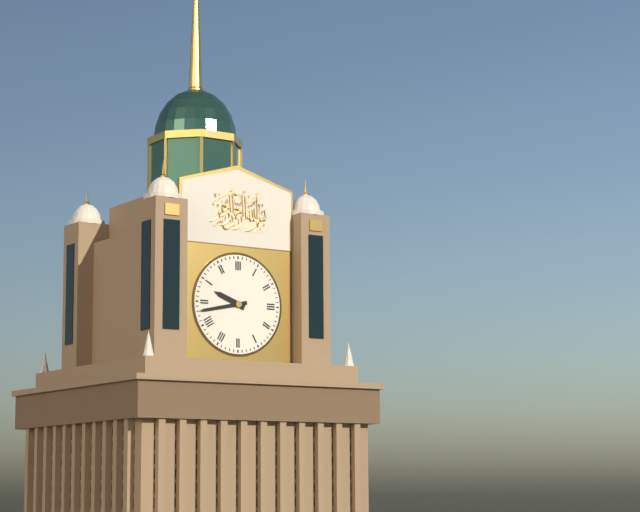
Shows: 9:43
